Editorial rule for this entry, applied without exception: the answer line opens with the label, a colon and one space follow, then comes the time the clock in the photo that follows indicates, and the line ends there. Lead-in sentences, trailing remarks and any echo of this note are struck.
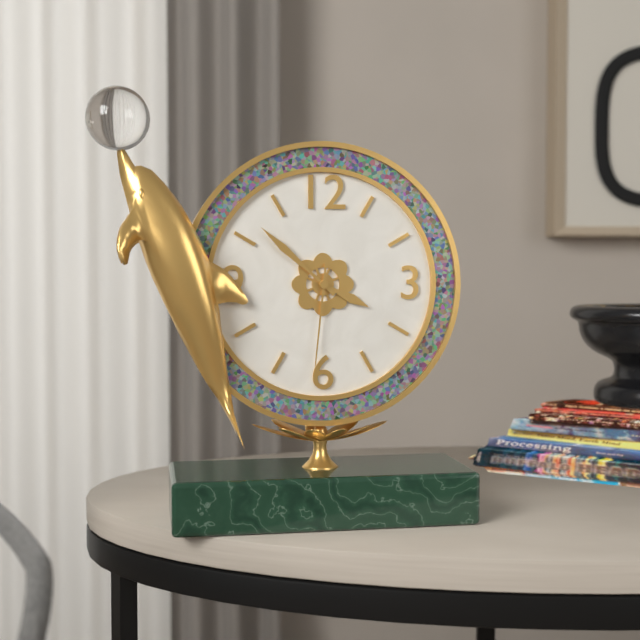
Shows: 3:52:31
